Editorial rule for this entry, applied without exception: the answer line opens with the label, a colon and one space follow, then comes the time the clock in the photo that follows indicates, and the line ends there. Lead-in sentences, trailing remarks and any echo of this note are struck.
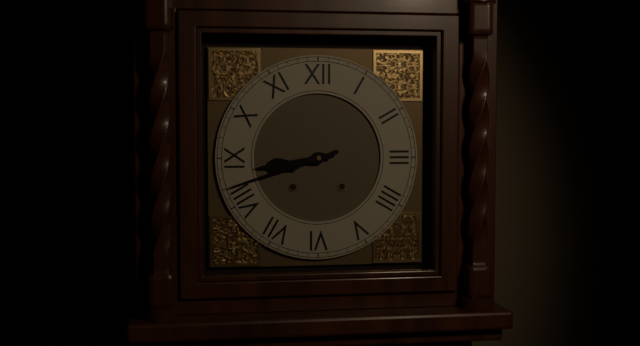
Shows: 8:42
